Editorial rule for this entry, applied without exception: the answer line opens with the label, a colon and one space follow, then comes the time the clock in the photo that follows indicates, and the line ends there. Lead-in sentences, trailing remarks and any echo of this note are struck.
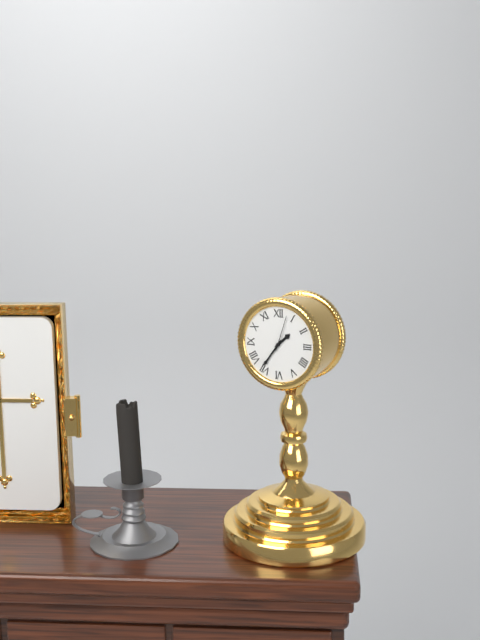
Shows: 1:36
